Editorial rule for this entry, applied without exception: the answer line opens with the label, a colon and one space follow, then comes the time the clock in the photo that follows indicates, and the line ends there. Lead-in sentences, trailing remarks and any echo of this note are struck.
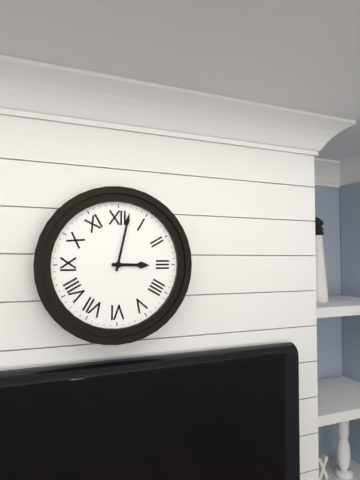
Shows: 3:02
